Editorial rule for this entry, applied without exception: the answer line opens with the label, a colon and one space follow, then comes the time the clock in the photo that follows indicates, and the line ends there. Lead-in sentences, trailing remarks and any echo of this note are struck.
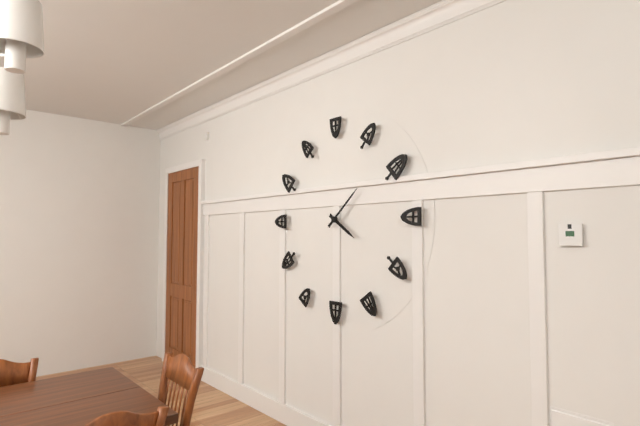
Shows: 4:08
